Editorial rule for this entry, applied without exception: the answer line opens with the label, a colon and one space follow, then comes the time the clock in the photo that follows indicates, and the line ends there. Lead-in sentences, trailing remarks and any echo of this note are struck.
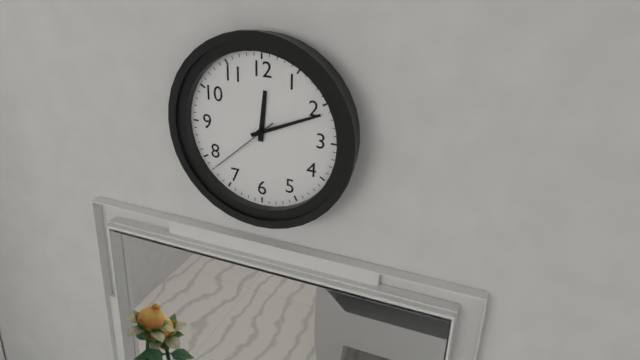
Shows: 12:11:38
